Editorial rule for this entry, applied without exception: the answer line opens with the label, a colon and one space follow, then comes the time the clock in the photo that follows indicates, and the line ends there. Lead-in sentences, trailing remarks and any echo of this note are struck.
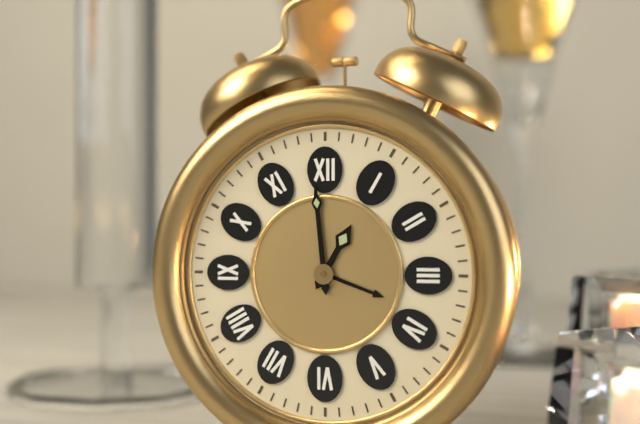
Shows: 12:59
